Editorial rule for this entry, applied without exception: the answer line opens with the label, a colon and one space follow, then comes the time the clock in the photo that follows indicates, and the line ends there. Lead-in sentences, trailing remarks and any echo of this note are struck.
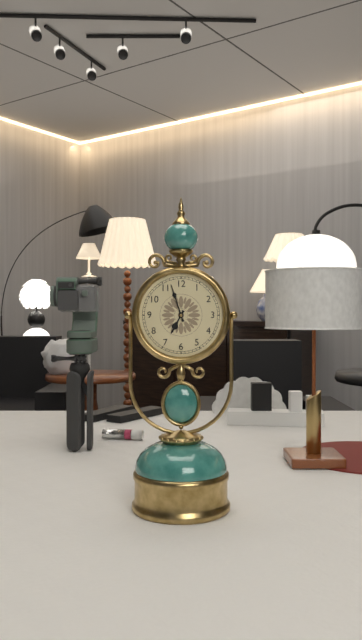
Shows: 6:57
